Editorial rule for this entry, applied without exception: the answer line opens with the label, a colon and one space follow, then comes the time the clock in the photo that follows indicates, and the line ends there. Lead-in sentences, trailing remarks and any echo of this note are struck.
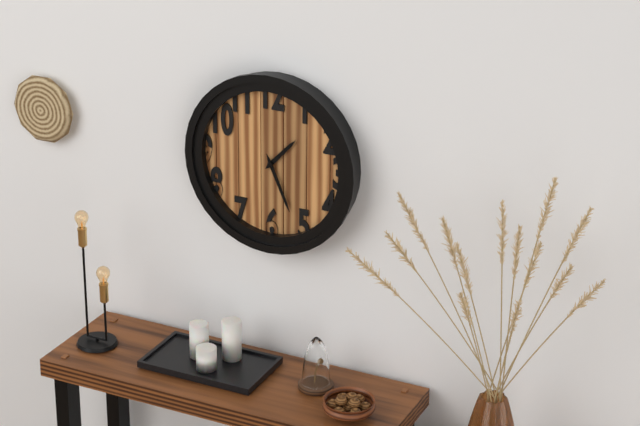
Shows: 1:26
